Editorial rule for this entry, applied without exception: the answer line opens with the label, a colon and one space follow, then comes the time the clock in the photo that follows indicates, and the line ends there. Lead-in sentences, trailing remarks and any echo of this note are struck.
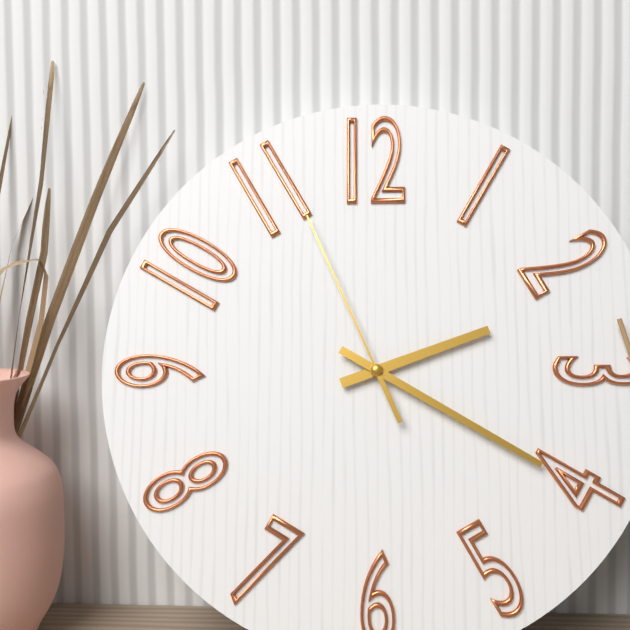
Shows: 2:20:56
